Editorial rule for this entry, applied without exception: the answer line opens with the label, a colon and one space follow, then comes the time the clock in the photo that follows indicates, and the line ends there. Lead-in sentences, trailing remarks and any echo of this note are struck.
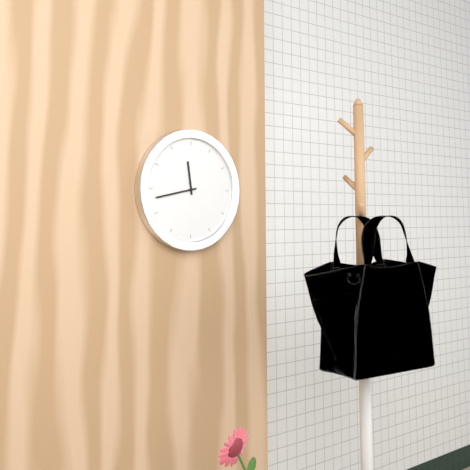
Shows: 11:43
